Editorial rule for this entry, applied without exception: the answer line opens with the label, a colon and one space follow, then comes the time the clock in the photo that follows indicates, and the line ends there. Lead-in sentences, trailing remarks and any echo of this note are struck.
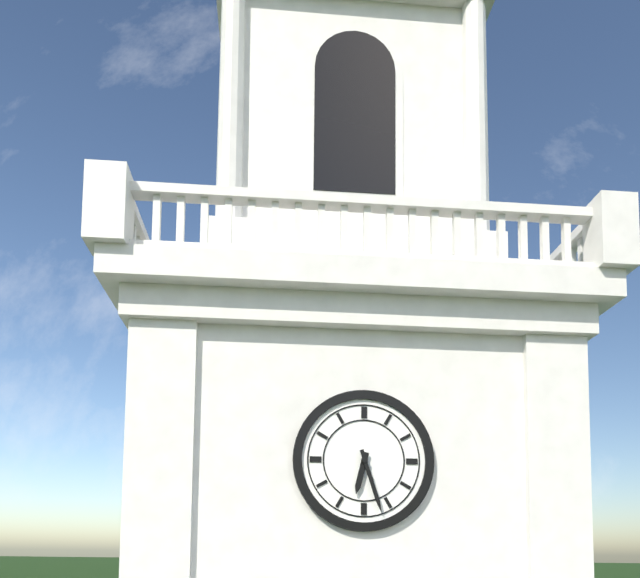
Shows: 6:27
